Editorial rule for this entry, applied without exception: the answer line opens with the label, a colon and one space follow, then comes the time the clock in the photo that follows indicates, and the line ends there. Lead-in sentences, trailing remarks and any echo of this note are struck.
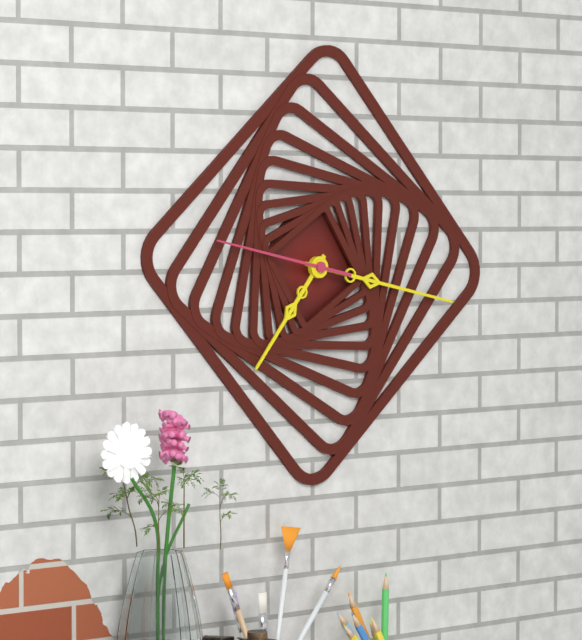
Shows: 7:17:47
